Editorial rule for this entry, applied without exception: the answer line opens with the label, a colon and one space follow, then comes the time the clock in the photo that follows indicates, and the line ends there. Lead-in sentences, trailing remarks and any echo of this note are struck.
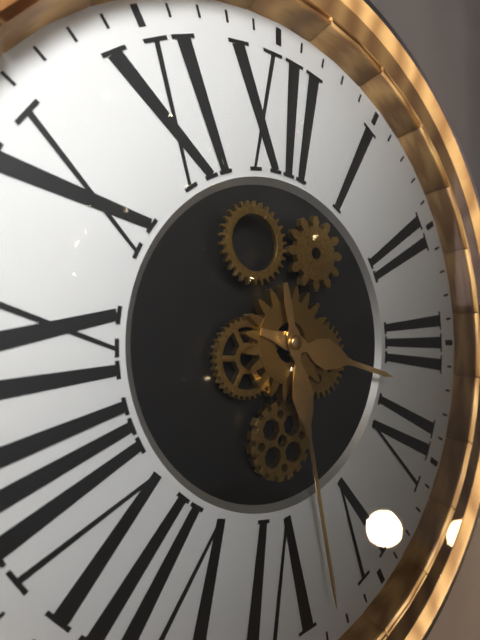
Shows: 3:28
